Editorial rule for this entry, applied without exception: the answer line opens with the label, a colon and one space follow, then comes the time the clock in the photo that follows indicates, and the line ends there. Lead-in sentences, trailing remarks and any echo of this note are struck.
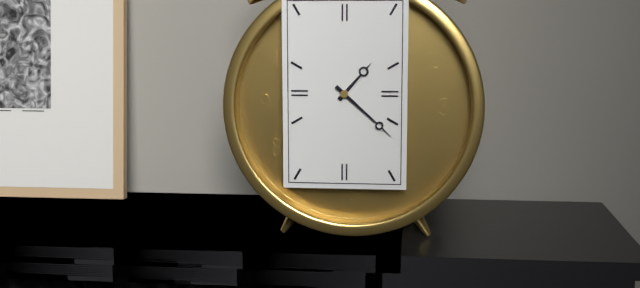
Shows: 1:22
